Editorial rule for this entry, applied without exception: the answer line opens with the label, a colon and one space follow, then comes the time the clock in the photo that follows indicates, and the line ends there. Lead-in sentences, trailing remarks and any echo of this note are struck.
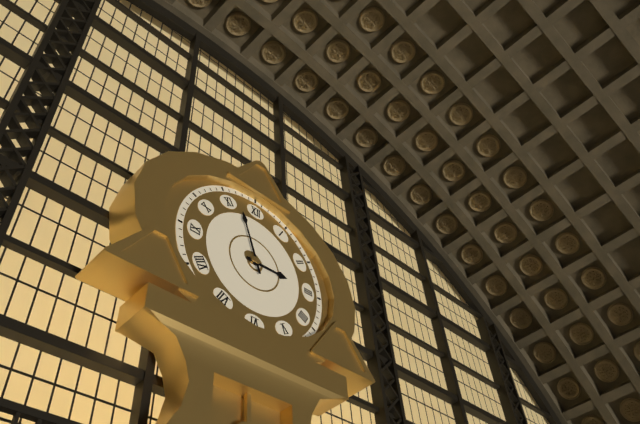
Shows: 2:57
